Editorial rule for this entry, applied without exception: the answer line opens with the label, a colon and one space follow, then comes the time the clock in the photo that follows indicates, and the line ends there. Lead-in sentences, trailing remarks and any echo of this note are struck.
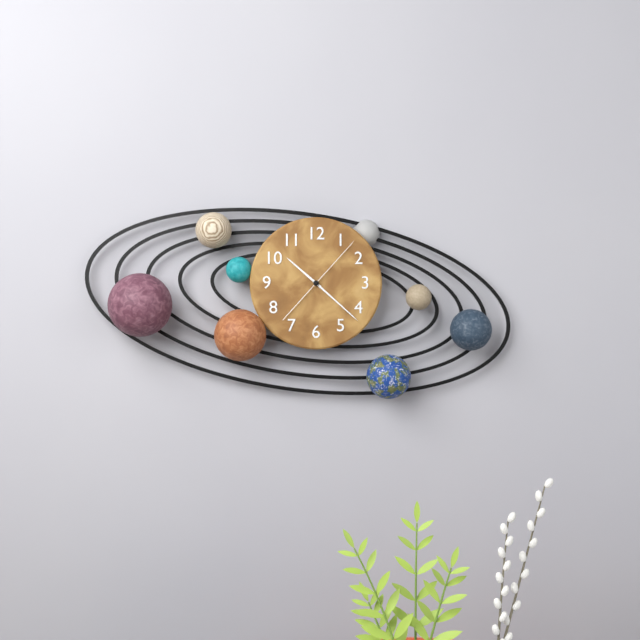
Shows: 10:22:07
